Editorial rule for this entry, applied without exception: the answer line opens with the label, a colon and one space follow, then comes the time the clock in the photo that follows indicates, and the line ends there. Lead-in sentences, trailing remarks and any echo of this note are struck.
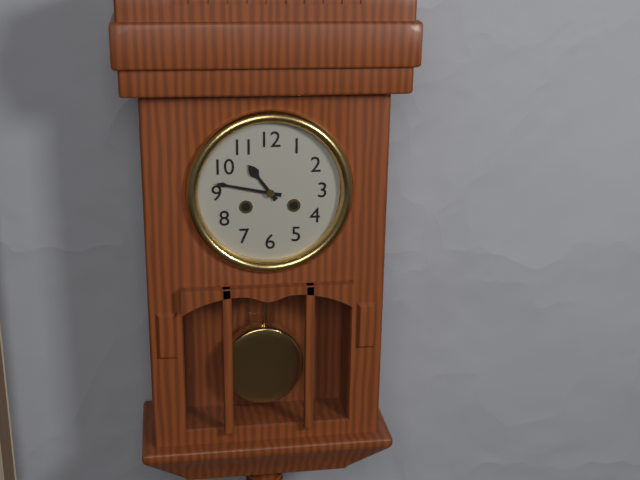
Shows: 10:47
